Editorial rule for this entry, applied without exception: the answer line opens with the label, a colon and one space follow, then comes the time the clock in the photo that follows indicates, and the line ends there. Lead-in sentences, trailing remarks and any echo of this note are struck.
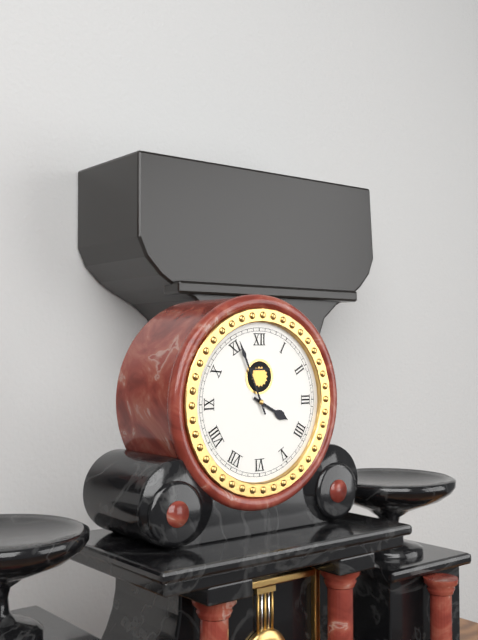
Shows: 3:56
